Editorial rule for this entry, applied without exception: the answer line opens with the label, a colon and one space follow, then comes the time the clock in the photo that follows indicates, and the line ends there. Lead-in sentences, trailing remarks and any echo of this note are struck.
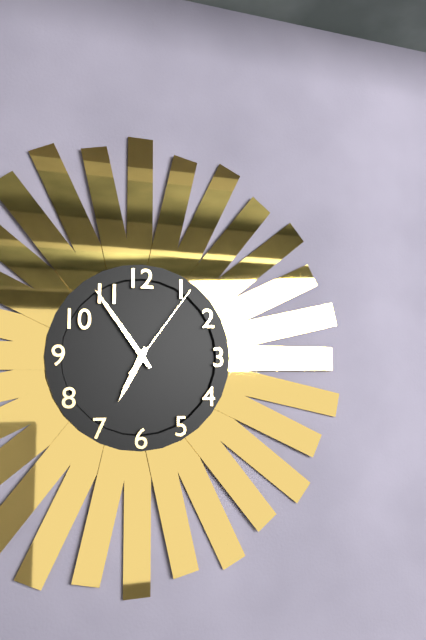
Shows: 6:54:06
